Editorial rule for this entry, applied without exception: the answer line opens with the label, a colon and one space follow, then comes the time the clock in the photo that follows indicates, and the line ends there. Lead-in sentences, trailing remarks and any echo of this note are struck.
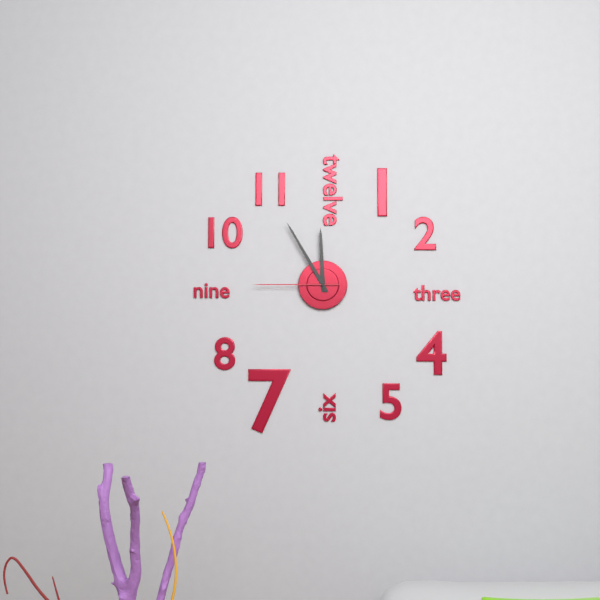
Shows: 11:55:45
